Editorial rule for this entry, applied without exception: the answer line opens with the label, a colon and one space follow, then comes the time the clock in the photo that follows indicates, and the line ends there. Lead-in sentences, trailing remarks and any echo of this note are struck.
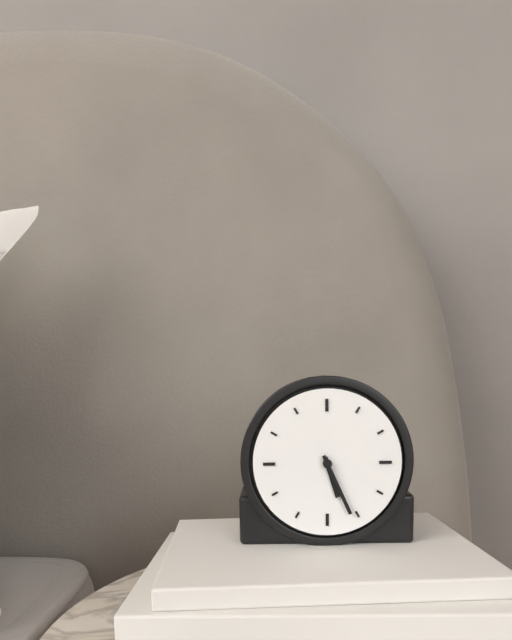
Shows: 5:26
